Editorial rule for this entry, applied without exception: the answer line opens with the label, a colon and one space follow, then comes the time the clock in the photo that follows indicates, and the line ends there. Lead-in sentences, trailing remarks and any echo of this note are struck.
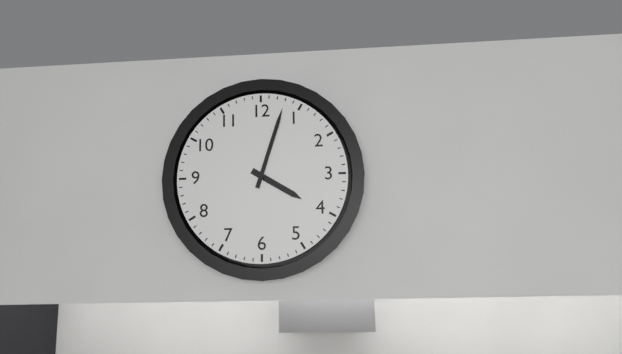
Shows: 4:03
